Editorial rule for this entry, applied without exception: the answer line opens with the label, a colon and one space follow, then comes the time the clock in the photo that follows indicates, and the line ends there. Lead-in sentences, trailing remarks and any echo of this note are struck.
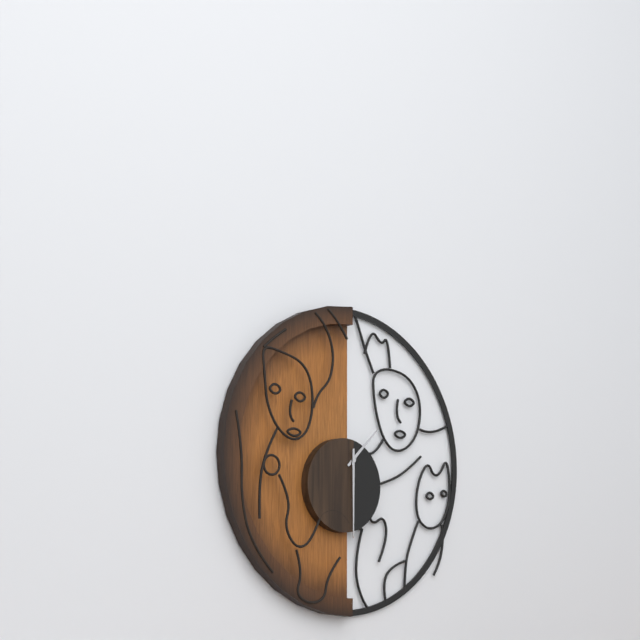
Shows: 1:30
